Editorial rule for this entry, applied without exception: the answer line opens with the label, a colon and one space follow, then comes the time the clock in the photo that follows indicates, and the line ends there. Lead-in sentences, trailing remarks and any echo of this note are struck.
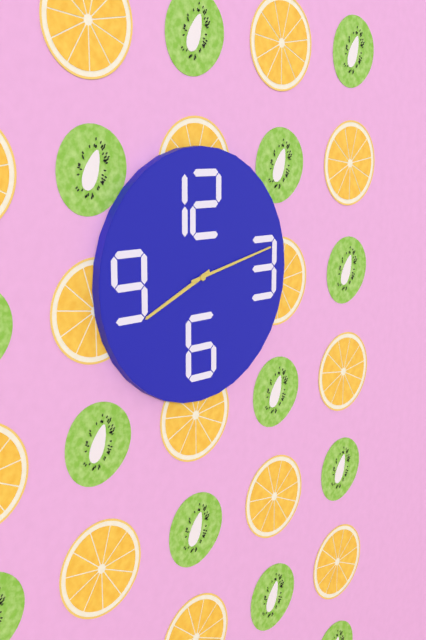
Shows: 8:13
